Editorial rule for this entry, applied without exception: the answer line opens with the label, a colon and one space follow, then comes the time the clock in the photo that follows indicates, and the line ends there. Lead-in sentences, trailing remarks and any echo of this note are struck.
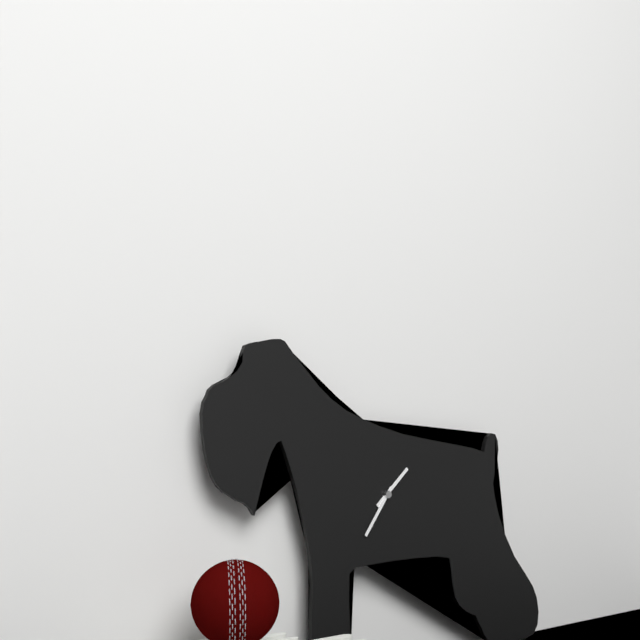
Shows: 1:36
